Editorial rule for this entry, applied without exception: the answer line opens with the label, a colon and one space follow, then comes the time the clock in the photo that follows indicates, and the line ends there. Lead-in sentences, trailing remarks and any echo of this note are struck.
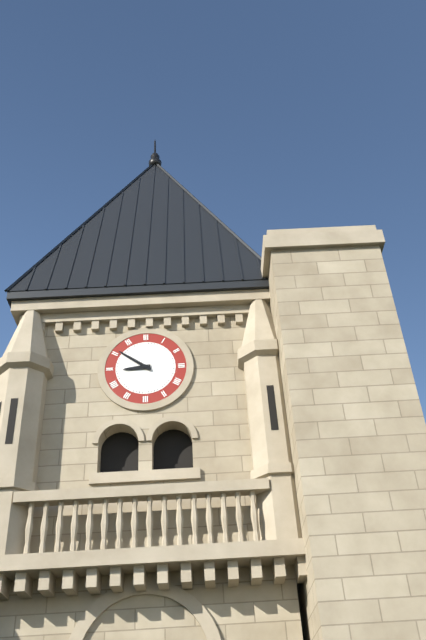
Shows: 8:51
